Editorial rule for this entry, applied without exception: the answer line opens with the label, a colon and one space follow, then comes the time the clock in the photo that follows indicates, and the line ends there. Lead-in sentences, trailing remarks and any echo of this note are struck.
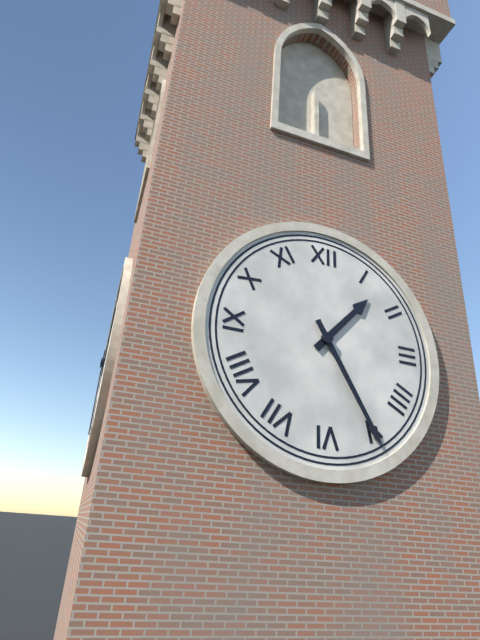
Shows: 1:25
